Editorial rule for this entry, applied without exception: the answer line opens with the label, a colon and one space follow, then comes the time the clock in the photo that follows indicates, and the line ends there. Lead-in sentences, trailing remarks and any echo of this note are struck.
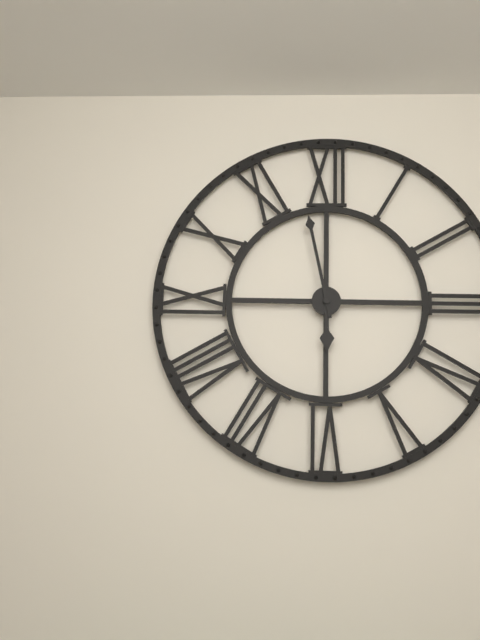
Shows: 5:58
